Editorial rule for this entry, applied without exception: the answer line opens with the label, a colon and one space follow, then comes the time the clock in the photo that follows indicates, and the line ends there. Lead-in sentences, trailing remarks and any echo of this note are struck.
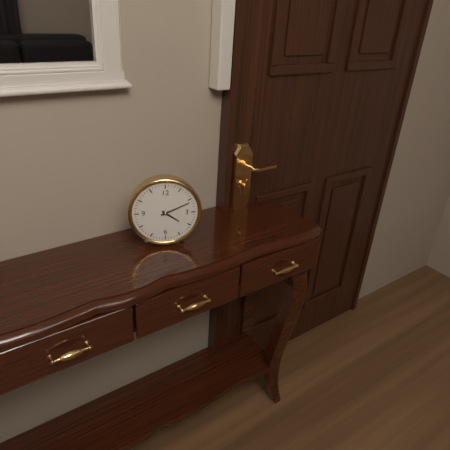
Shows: 4:11
